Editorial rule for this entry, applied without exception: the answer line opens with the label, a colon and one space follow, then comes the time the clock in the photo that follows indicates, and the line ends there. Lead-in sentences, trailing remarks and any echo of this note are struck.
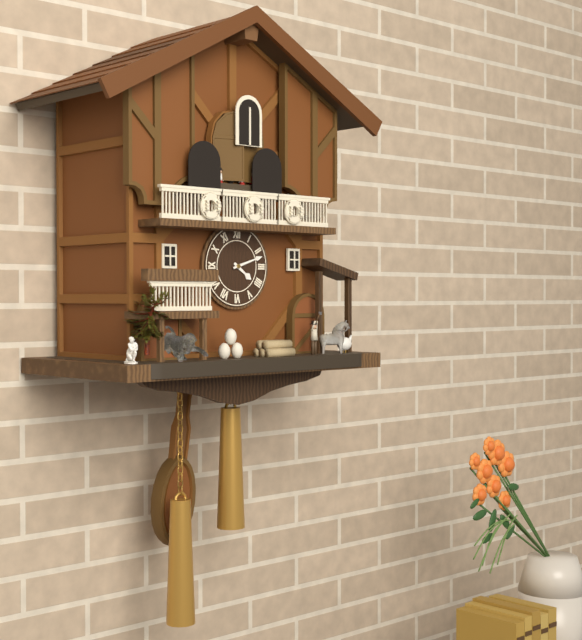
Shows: 4:12
